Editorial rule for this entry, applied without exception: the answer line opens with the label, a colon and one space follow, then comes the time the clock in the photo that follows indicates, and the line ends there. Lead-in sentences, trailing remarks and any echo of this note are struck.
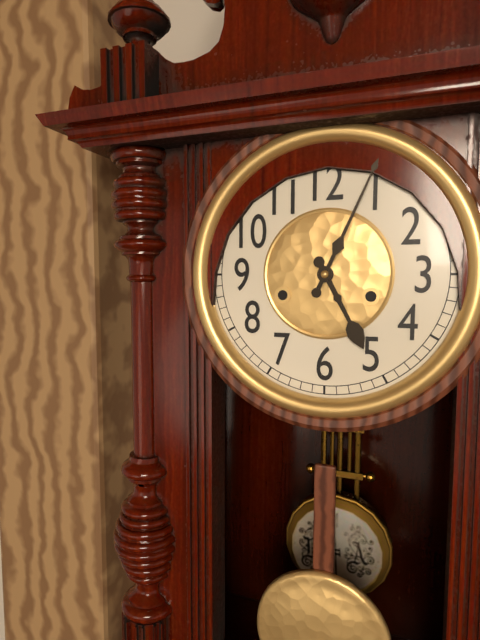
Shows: 5:04
